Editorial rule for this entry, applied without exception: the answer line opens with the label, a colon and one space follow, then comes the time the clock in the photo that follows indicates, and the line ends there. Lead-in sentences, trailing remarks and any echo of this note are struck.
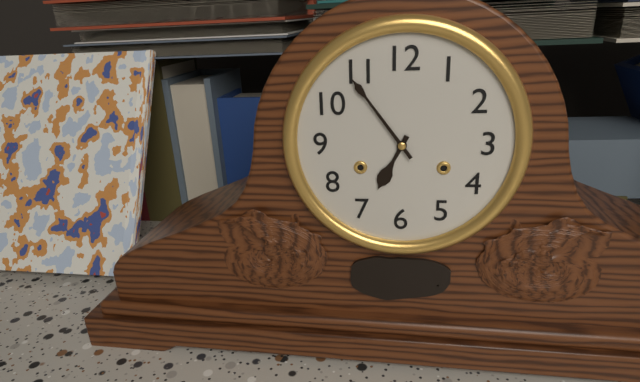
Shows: 6:54
